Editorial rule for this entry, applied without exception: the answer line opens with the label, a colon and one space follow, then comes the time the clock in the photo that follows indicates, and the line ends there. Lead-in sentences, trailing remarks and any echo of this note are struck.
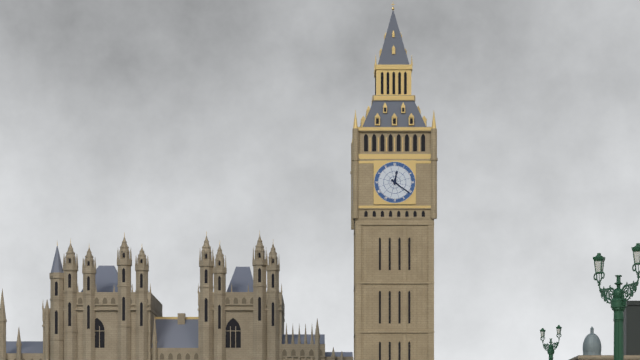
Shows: 12:21
